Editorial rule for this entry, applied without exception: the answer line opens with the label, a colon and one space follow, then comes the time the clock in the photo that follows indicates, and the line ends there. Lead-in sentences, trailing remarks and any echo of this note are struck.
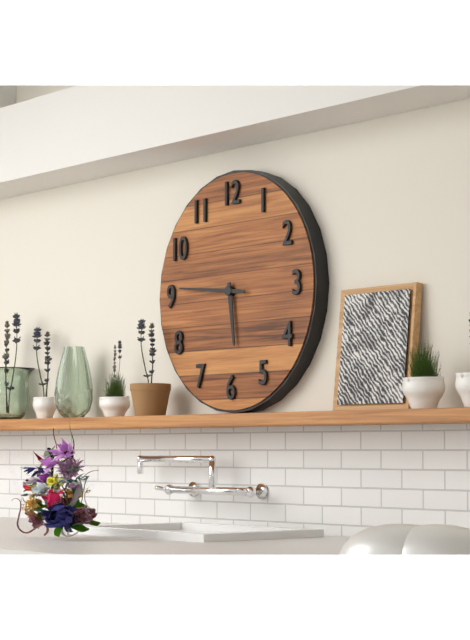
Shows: 5:46
